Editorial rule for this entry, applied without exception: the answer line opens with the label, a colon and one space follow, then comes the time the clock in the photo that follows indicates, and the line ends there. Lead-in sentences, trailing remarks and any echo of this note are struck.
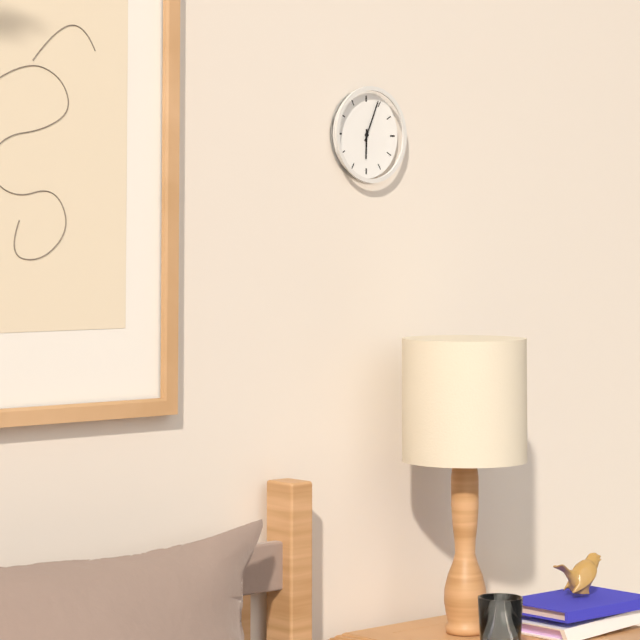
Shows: 6:04
